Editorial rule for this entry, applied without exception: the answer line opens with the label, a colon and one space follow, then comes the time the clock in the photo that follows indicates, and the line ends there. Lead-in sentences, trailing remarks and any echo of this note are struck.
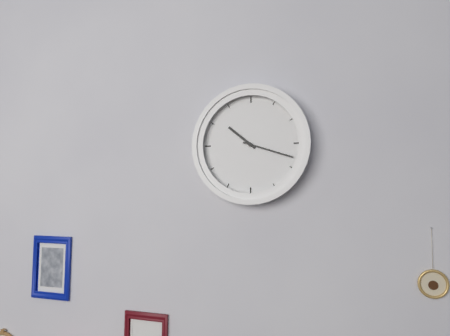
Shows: 10:18
